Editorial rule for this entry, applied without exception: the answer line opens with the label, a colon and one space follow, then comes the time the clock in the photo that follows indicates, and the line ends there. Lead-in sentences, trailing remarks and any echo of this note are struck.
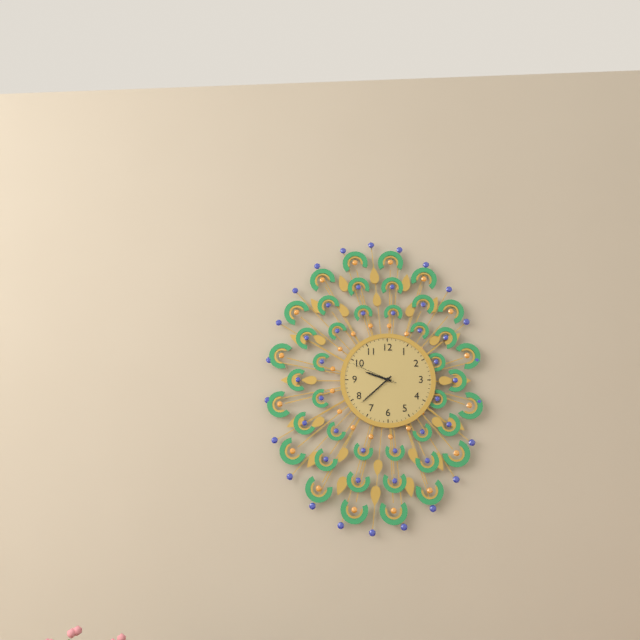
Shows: 9:38:49
